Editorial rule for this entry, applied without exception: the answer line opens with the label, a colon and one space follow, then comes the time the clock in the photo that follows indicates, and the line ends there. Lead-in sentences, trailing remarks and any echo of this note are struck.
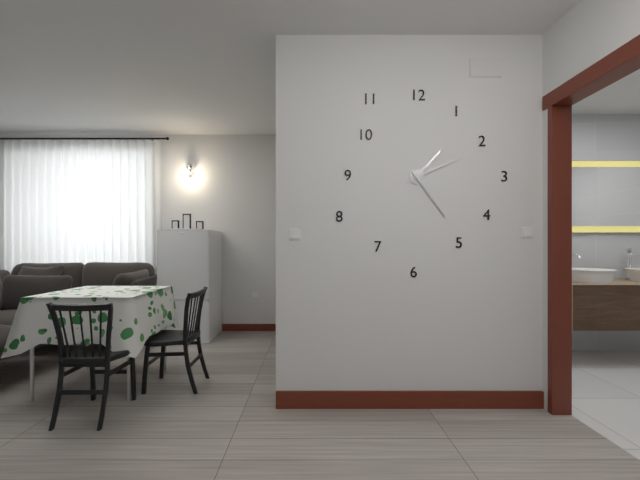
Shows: 1:24:11
